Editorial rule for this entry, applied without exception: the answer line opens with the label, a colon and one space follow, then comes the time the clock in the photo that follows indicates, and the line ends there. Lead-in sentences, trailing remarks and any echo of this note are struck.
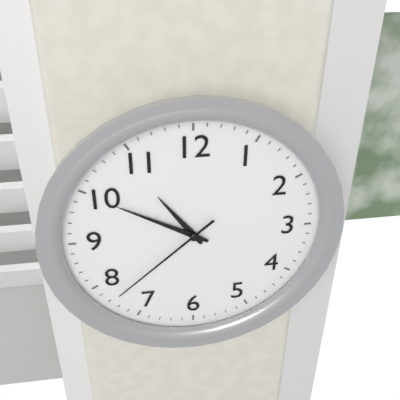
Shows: 10:50:38
